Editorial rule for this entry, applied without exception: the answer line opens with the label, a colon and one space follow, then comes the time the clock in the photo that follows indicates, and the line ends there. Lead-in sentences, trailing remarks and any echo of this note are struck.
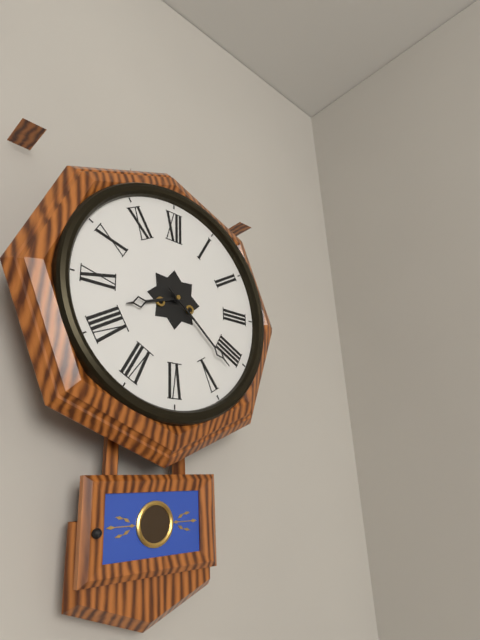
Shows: 8:22
